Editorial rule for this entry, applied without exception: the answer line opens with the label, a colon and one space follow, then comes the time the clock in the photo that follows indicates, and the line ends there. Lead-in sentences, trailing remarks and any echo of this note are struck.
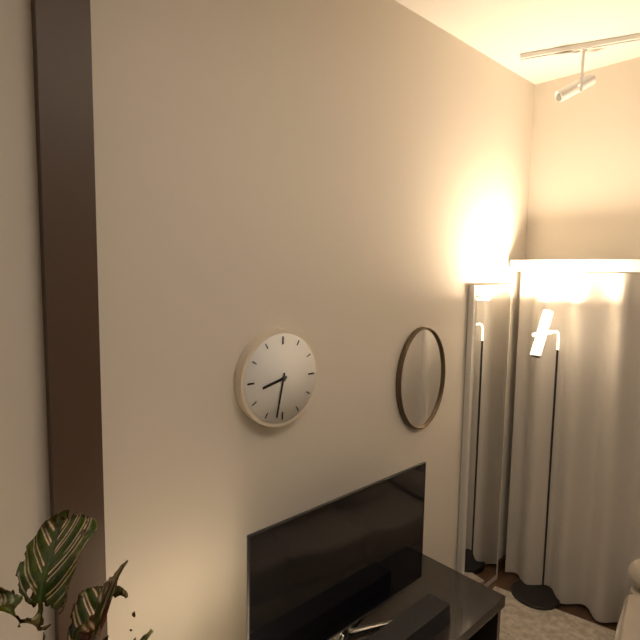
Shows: 8:32
